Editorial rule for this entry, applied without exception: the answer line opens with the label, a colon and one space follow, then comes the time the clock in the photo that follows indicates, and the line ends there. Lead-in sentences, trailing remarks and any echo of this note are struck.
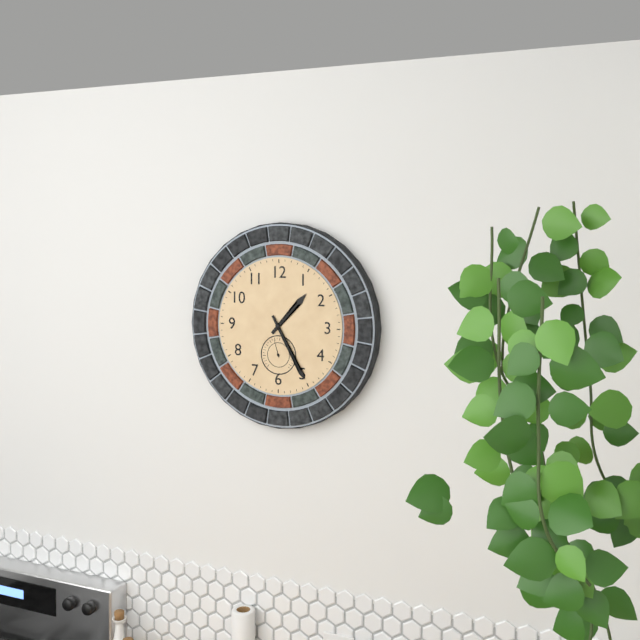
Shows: 1:25
